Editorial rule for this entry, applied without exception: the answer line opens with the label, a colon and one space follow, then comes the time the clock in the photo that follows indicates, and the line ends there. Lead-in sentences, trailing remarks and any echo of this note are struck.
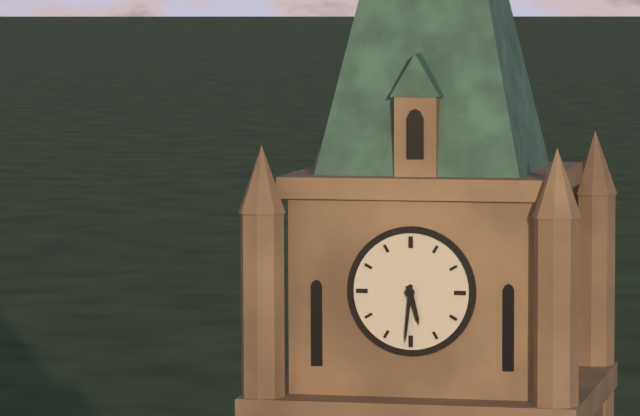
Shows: 5:31
